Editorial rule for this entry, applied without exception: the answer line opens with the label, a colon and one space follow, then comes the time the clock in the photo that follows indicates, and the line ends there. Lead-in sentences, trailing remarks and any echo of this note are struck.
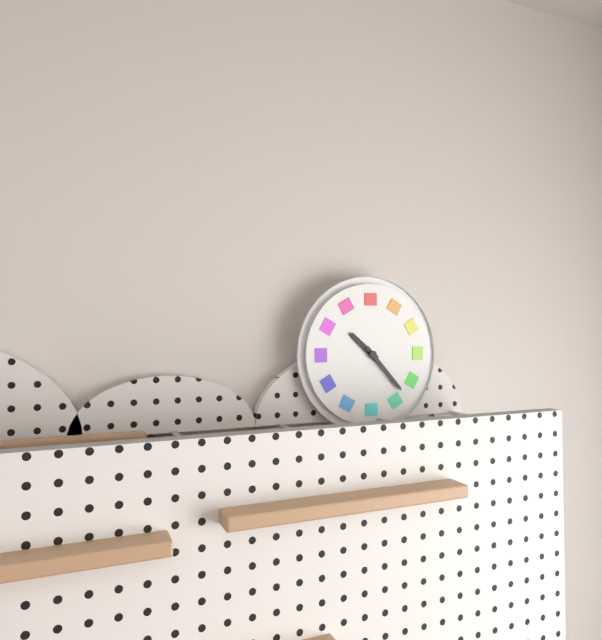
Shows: 10:23
